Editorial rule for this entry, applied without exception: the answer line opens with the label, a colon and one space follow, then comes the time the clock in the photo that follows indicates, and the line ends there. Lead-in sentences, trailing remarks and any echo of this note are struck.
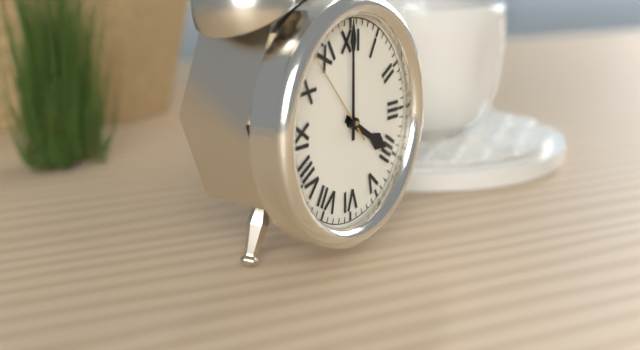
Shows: 4:00:53
